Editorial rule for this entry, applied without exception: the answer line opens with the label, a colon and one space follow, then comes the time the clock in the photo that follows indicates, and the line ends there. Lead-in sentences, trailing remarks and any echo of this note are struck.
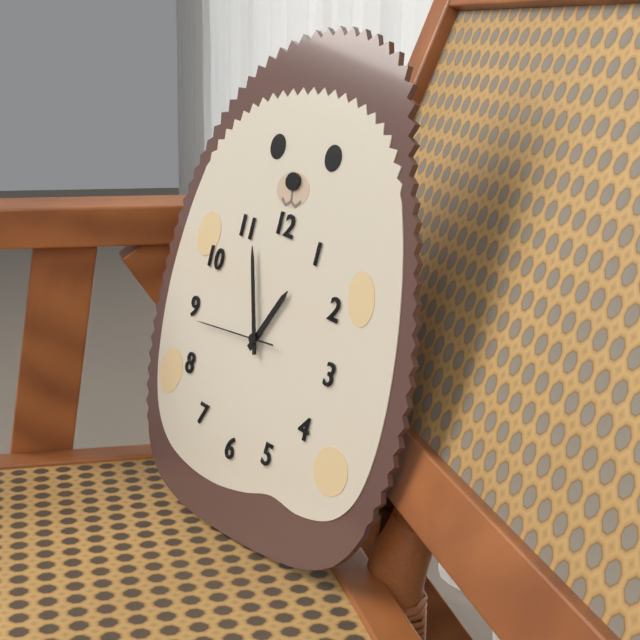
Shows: 12:56:44
